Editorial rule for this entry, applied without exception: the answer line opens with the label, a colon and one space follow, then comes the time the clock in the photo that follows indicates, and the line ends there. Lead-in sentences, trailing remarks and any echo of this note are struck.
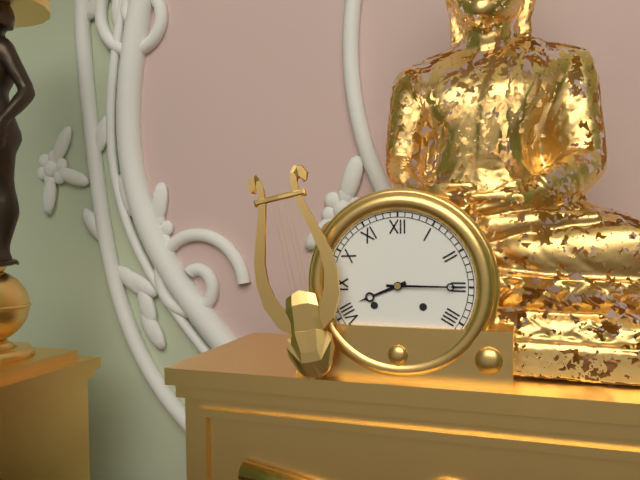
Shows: 8:15
